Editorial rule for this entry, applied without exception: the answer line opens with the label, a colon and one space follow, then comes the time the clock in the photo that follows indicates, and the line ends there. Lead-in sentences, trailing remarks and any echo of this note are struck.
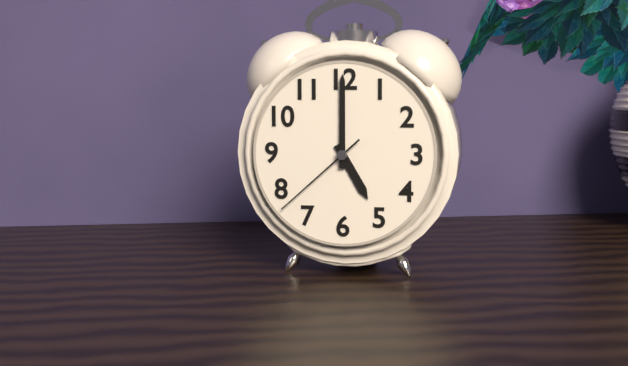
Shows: 5:00:38
